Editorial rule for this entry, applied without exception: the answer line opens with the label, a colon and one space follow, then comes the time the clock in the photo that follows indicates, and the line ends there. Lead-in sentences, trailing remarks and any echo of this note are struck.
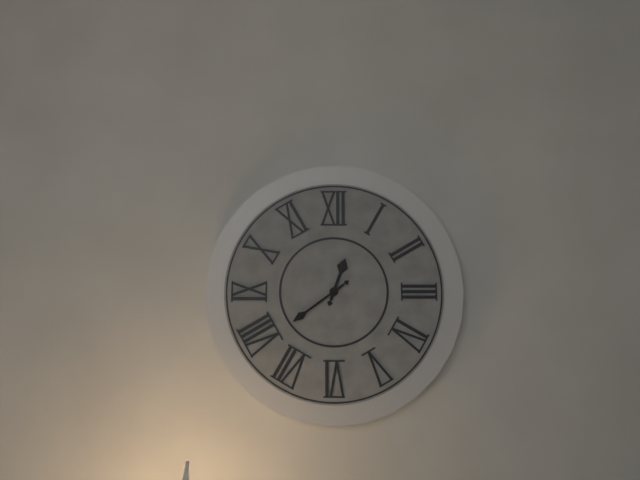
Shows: 12:39
